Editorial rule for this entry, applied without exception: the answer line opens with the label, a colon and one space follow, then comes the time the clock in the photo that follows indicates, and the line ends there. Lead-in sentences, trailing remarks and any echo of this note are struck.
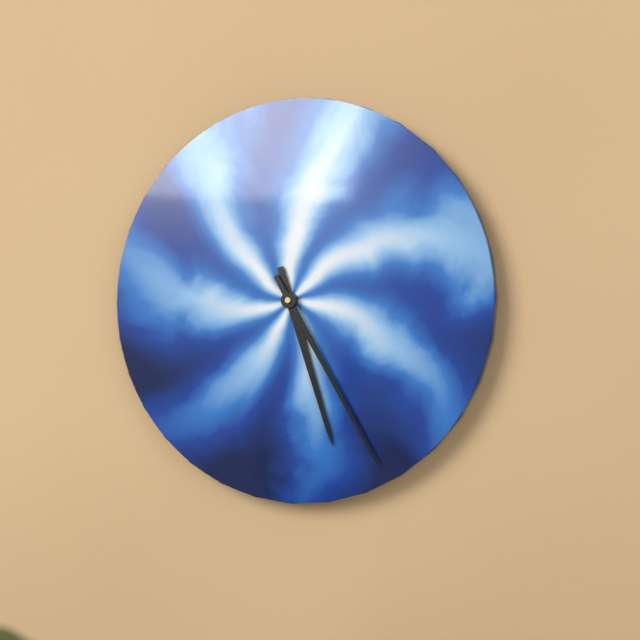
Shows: 5:25
